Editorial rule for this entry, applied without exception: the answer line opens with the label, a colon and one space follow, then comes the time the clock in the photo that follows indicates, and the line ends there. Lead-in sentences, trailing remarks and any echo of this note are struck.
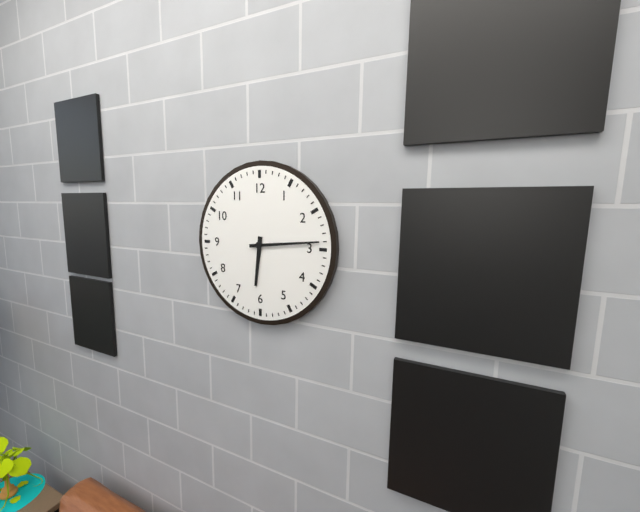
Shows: 6:14
